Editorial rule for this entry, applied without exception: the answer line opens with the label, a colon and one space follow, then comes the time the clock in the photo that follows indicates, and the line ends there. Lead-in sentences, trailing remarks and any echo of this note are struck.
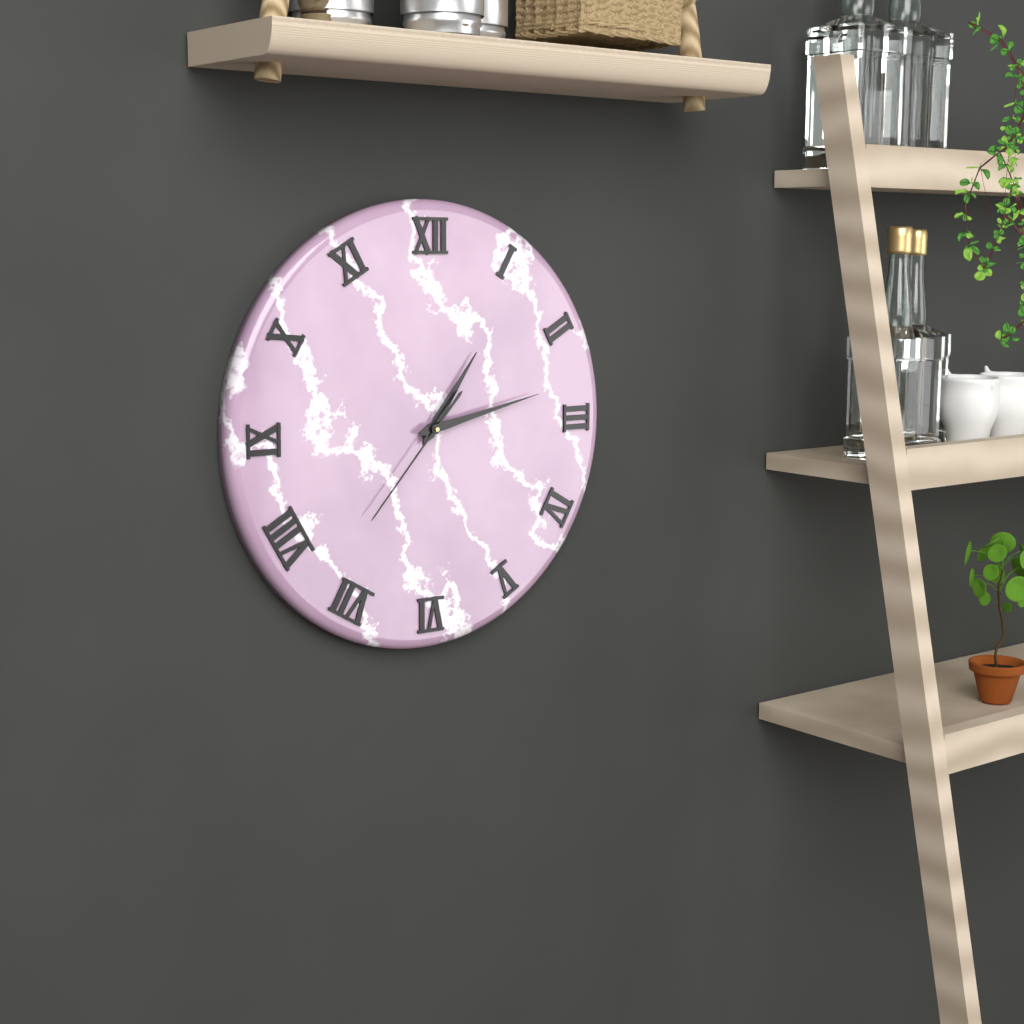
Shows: 1:13:37
